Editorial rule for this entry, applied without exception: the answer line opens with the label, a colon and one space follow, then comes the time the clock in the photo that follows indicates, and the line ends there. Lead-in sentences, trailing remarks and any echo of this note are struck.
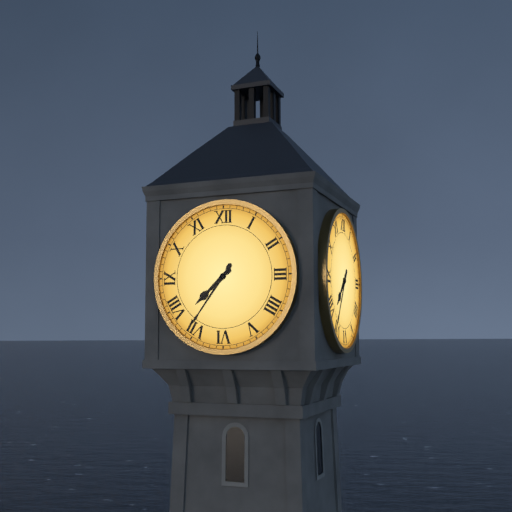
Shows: 7:36
